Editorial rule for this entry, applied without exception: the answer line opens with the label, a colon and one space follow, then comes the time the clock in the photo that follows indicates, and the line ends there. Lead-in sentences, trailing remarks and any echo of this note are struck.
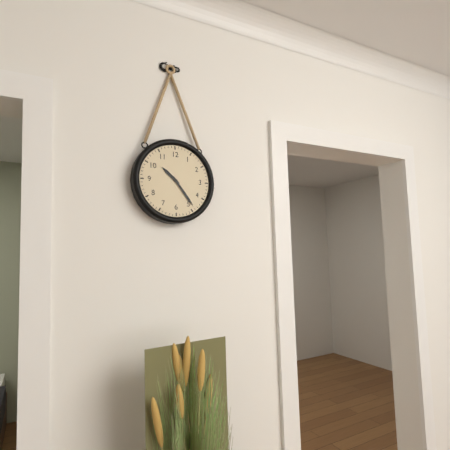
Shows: 10:24
